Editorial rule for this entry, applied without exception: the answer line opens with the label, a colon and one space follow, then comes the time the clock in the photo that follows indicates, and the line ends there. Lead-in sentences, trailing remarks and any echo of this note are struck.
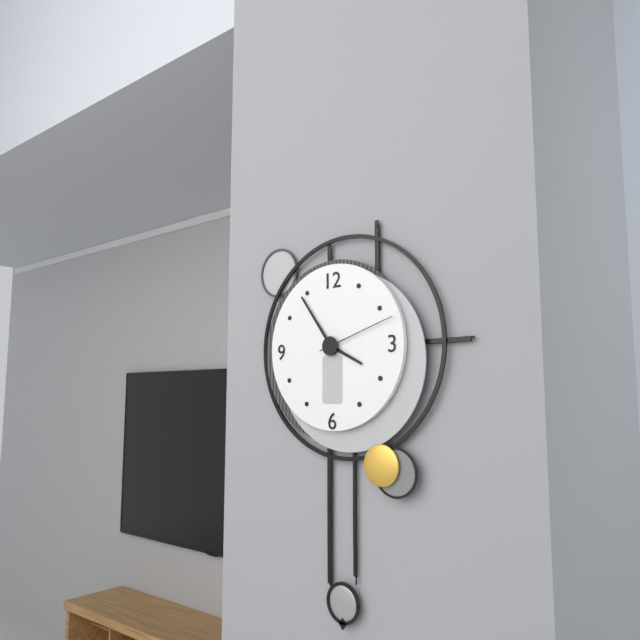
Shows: 3:54:12
